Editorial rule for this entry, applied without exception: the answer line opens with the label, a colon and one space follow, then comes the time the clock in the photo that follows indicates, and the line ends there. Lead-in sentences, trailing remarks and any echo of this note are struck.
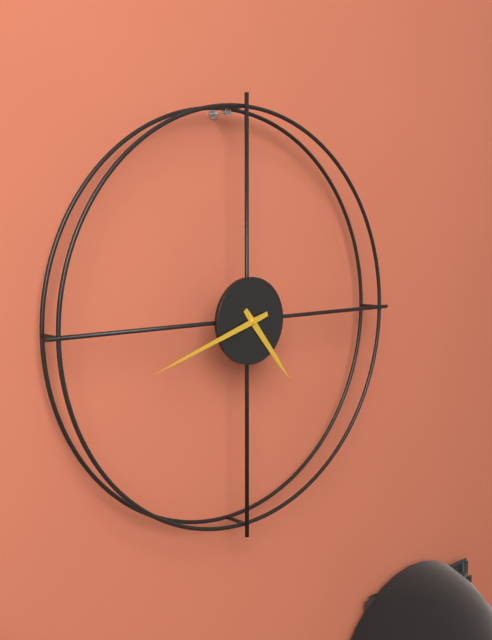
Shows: 4:42
